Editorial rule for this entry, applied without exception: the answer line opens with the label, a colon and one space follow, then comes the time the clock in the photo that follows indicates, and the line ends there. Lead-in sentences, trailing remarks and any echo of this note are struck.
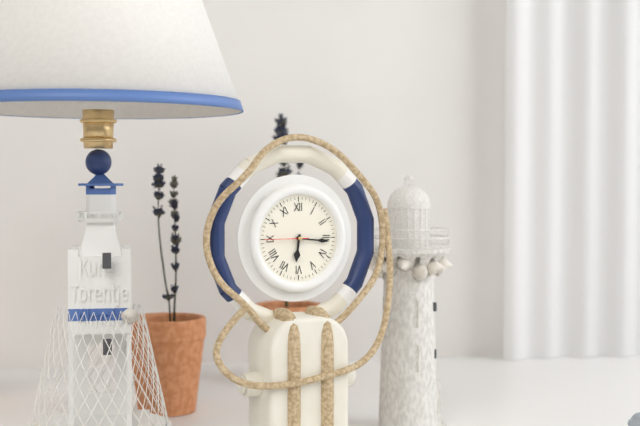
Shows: 6:16
